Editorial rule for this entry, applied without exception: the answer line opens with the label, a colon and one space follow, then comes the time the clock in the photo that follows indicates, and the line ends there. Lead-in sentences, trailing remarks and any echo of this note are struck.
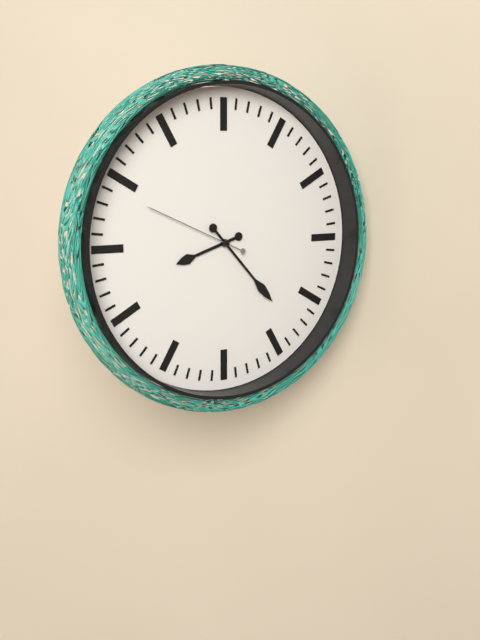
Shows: 8:23:49
